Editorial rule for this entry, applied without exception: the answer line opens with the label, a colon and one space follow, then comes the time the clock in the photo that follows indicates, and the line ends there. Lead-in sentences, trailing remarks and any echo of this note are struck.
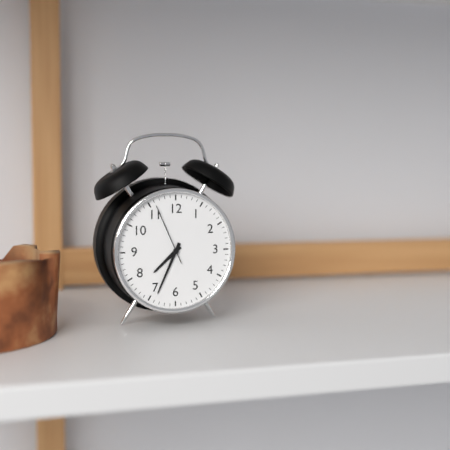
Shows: 7:34:56
